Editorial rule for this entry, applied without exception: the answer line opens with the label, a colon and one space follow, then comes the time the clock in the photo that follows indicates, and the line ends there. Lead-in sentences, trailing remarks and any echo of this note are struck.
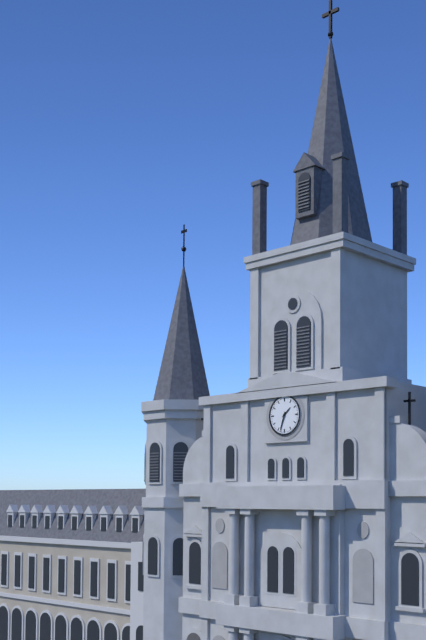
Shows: 1:33
